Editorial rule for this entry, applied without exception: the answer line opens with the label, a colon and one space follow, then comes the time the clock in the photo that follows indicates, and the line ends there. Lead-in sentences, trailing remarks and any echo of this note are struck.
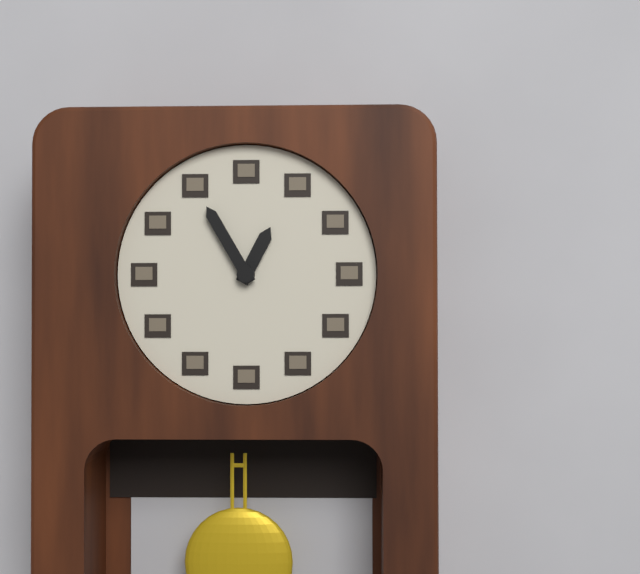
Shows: 12:55
